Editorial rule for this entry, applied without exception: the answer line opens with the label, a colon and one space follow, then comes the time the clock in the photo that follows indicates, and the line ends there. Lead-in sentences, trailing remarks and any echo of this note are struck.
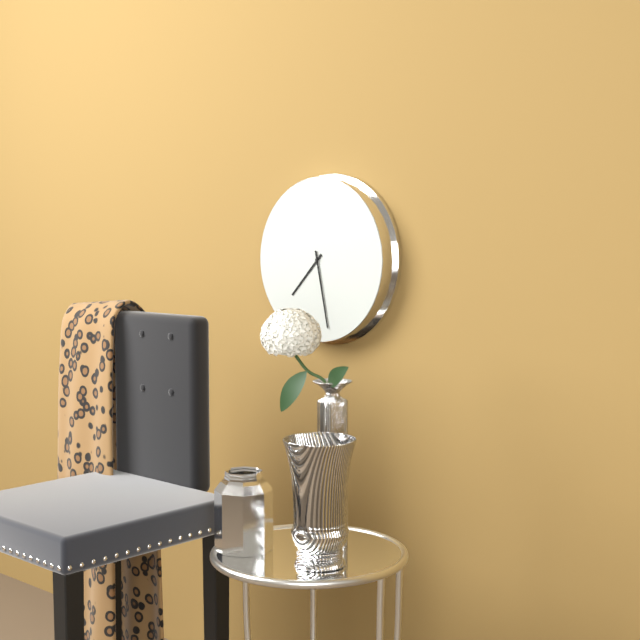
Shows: 7:28
